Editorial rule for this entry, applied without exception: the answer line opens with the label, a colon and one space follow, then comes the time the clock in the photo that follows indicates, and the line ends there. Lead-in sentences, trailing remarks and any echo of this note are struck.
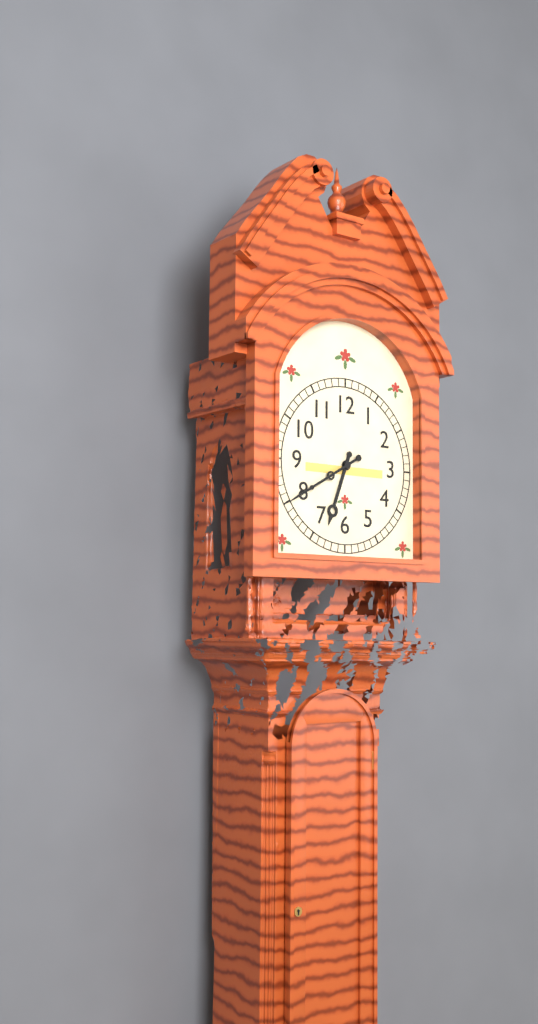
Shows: 6:40
